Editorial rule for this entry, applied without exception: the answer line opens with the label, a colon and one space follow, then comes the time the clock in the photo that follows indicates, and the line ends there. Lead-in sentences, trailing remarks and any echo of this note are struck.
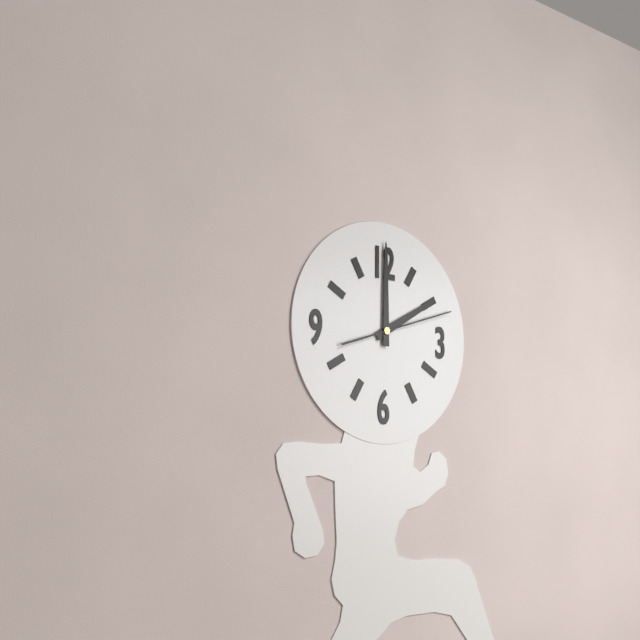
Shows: 2:00:12
